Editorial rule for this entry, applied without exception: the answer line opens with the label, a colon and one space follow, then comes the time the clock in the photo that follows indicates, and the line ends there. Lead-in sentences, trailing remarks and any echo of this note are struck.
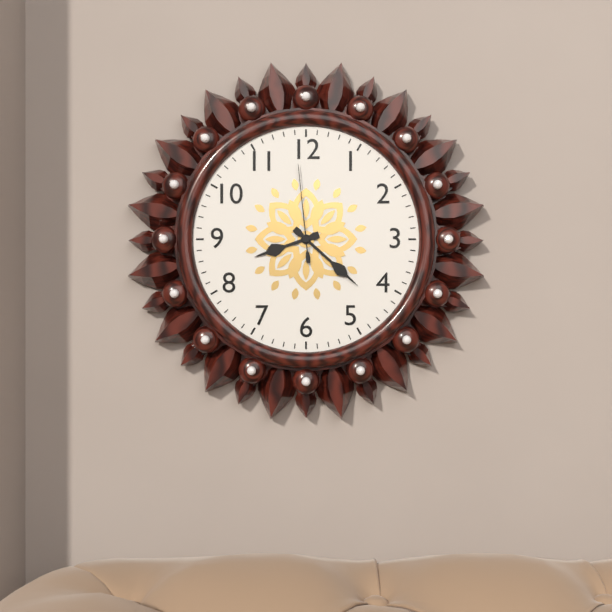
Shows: 8:22:59
